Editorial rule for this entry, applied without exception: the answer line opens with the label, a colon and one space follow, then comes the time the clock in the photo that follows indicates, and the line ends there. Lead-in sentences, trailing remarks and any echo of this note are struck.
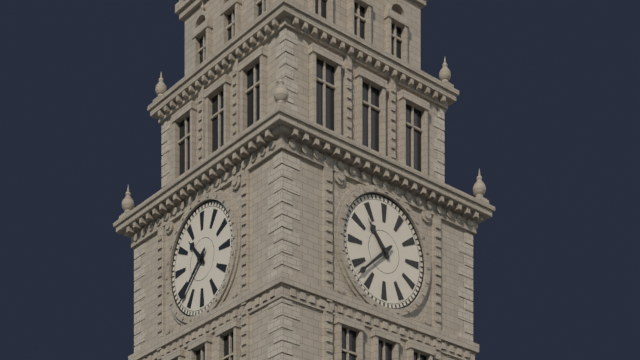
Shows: 10:38
